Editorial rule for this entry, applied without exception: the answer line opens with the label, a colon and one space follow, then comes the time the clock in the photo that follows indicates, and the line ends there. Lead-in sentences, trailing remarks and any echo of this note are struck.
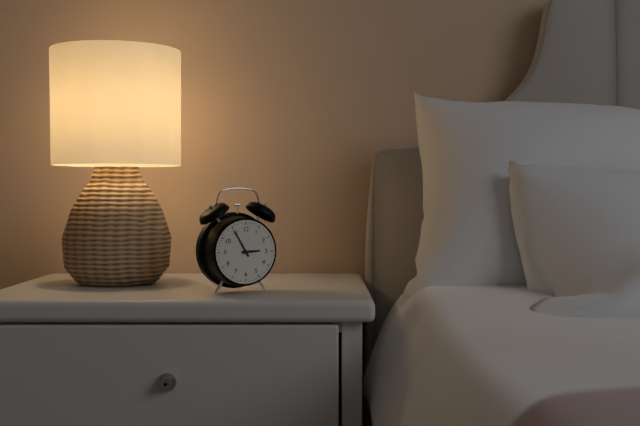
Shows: 2:55
